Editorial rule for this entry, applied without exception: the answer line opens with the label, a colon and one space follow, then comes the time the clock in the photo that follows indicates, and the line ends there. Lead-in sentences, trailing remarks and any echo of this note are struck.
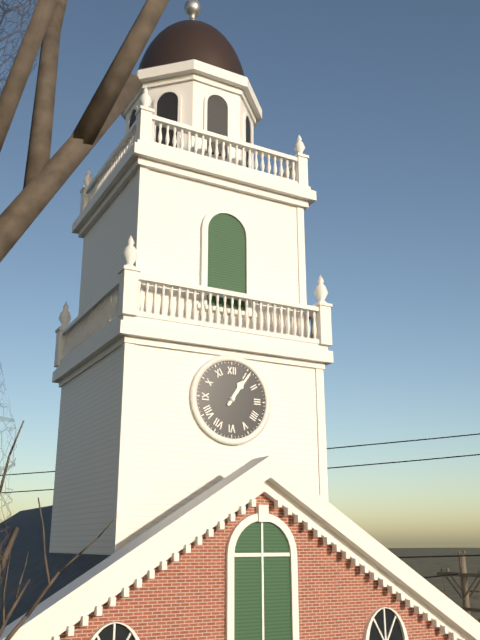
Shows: 1:06
